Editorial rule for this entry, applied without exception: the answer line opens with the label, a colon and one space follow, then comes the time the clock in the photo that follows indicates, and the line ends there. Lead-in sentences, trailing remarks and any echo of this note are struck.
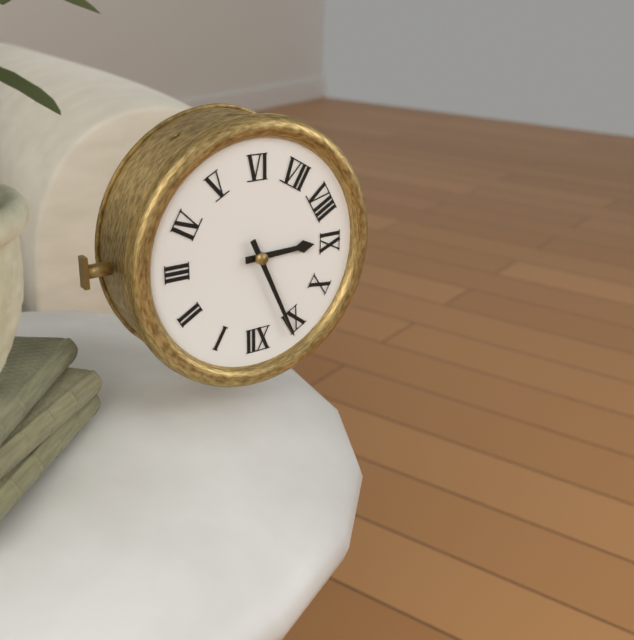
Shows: 8:56
